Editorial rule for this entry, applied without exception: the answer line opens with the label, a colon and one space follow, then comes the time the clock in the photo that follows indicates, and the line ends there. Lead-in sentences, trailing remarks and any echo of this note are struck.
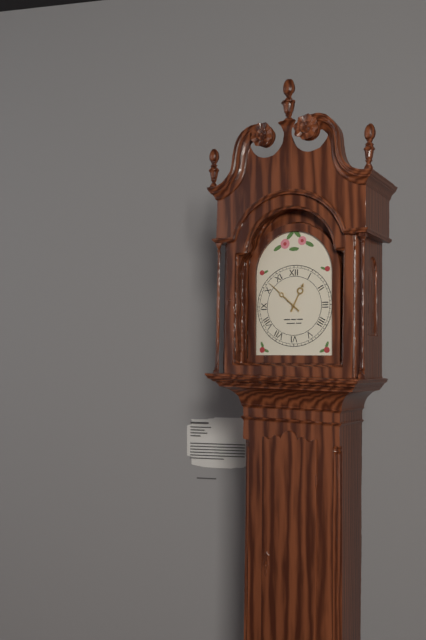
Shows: 12:52
